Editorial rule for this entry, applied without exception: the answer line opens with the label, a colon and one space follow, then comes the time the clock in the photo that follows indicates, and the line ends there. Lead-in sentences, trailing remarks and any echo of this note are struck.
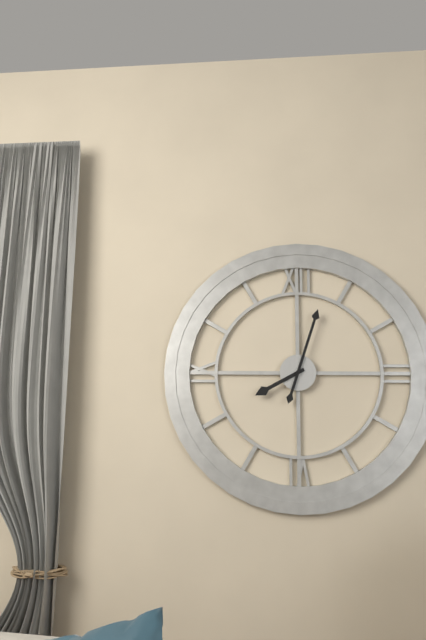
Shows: 8:03
